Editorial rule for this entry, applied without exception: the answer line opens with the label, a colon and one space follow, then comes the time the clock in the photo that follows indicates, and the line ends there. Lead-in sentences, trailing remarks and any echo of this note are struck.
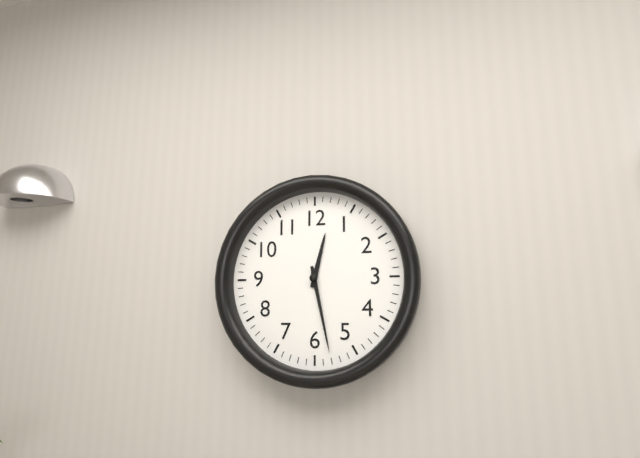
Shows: 12:28
